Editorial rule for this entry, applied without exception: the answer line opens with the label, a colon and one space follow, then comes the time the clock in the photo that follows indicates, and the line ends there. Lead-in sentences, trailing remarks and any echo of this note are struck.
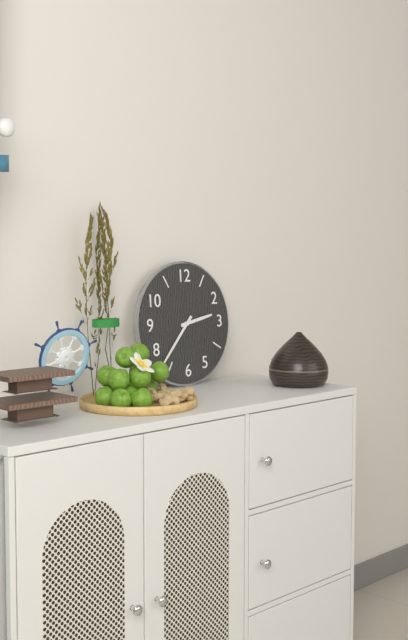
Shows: 2:37
